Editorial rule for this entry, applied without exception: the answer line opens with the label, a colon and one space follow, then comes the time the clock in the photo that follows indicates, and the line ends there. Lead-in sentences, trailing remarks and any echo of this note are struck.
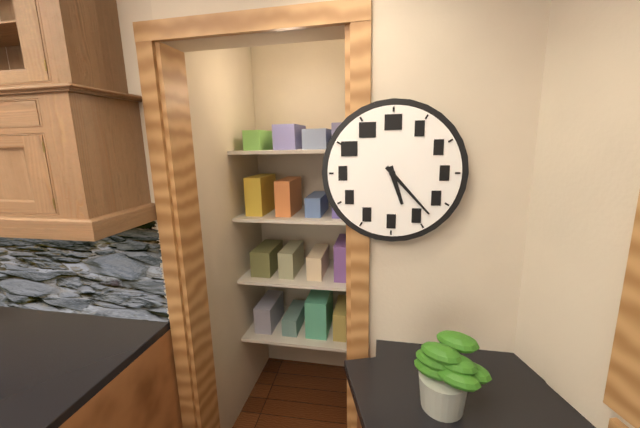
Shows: 5:23
